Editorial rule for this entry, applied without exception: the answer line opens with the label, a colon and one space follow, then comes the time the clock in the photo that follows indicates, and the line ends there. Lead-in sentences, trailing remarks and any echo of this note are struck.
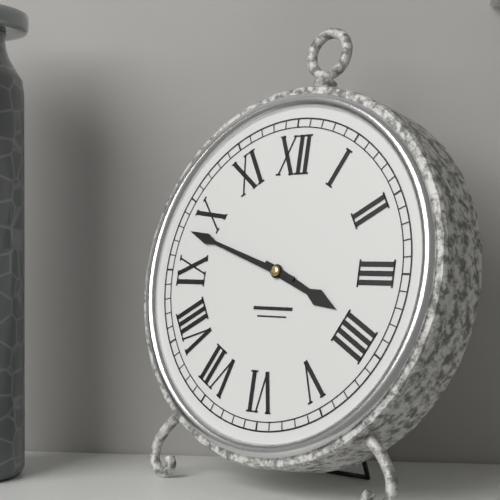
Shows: 3:48
